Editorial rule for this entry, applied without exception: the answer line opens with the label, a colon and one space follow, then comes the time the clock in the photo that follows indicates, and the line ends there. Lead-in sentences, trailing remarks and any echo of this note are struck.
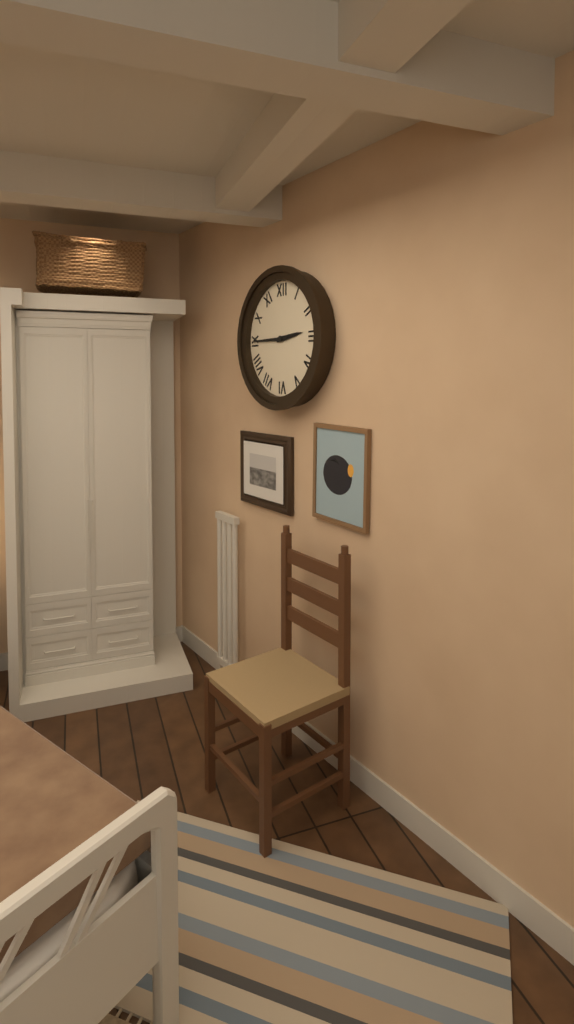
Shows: 2:45
